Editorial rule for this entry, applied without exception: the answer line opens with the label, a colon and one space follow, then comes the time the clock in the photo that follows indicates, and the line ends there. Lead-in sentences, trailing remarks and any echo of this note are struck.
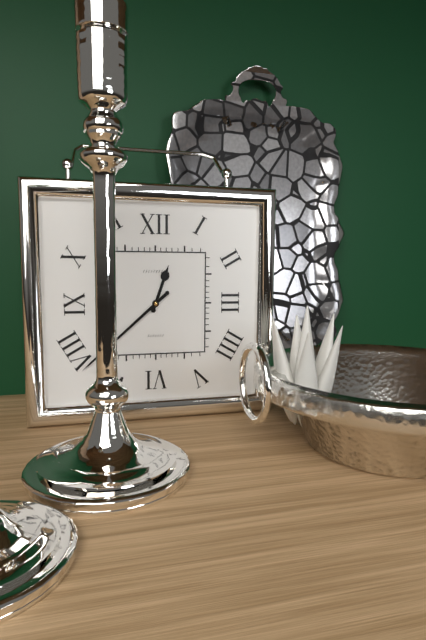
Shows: 12:38
